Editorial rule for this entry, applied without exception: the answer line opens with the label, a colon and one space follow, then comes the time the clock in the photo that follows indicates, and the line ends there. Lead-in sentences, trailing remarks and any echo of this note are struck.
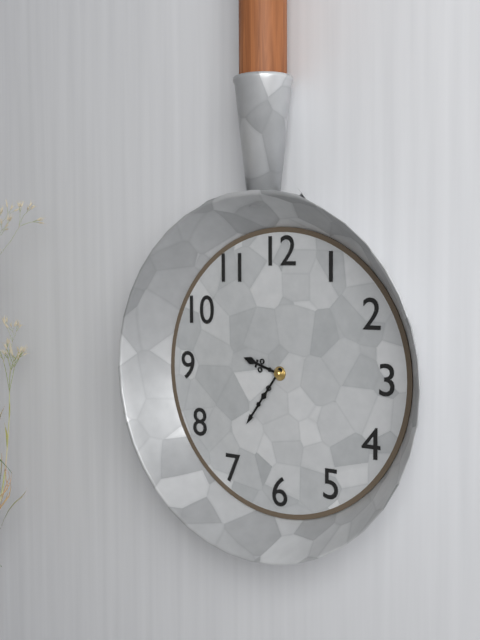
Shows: 9:36
